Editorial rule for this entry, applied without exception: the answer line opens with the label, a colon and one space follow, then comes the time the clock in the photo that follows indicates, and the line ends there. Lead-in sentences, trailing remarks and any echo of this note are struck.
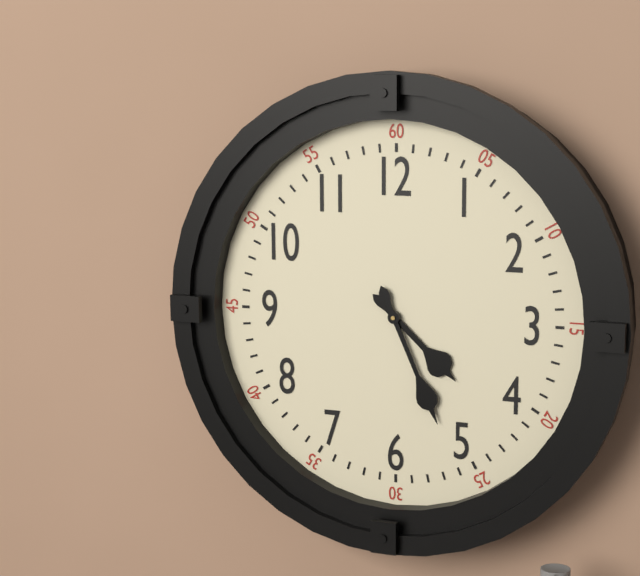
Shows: 4:26
